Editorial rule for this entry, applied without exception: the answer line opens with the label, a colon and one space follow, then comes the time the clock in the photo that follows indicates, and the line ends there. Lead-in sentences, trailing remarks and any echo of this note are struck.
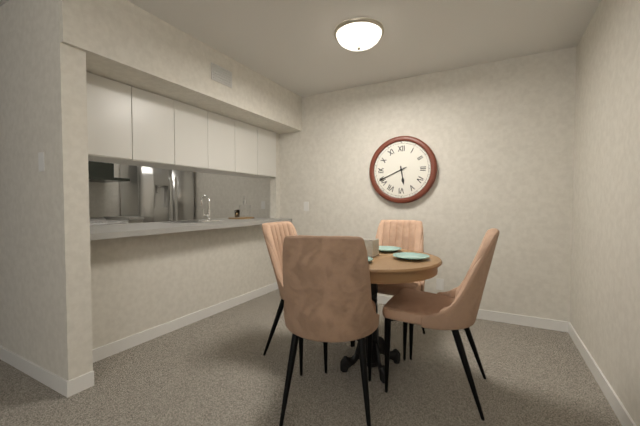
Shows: 5:41
